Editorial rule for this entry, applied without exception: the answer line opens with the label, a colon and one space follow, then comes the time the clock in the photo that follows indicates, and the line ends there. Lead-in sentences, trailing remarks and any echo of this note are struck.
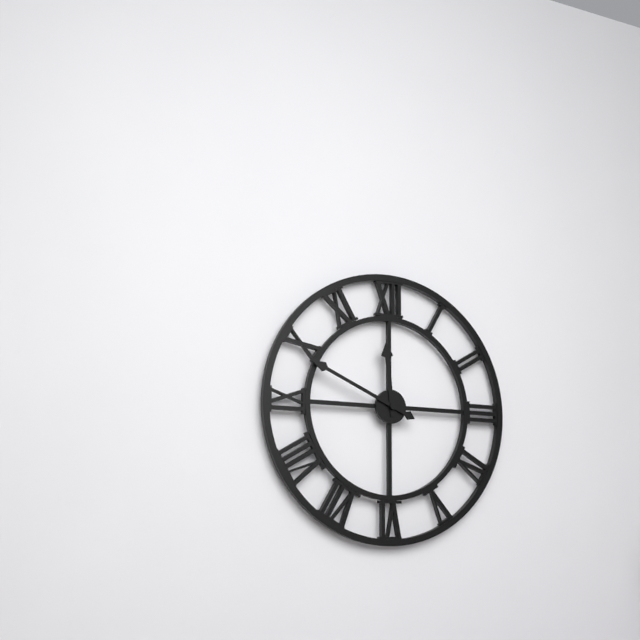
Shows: 11:49
